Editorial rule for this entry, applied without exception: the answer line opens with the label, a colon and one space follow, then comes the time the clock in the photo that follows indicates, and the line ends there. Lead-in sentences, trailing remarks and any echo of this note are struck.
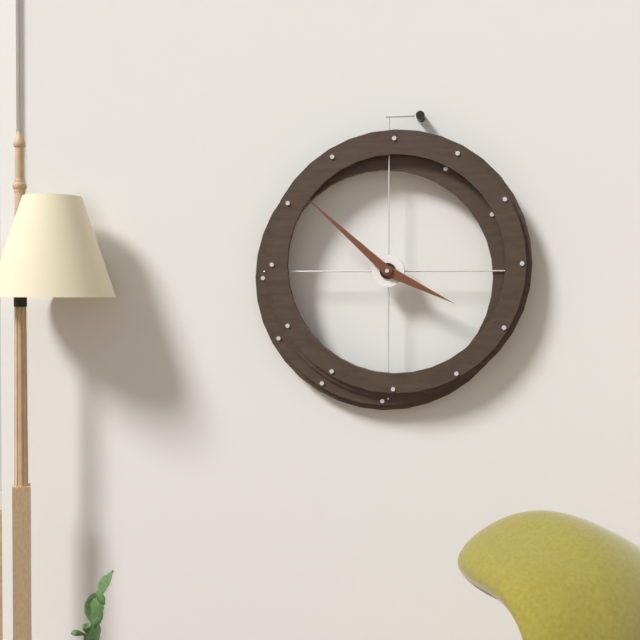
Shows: 3:52
